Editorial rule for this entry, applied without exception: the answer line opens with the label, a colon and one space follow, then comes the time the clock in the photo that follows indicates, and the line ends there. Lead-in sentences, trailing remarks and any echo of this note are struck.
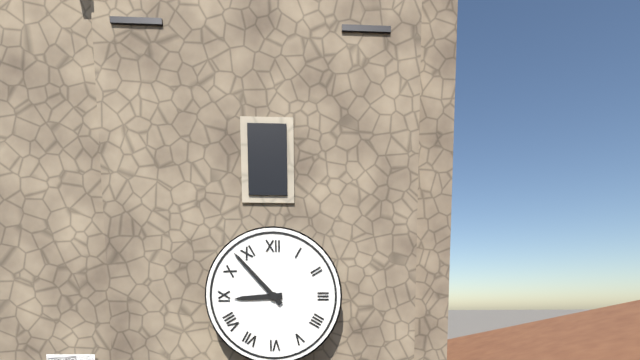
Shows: 8:53
